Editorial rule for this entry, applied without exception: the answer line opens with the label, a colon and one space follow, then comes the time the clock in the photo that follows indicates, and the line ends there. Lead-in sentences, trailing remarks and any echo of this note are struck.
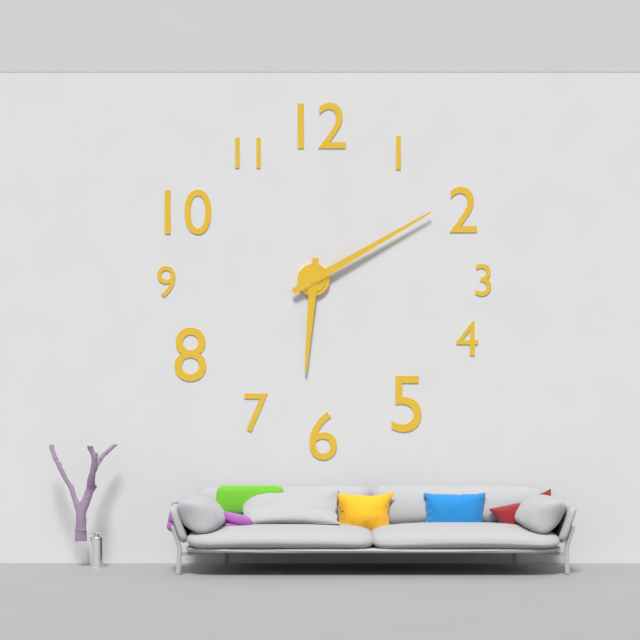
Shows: 6:10
